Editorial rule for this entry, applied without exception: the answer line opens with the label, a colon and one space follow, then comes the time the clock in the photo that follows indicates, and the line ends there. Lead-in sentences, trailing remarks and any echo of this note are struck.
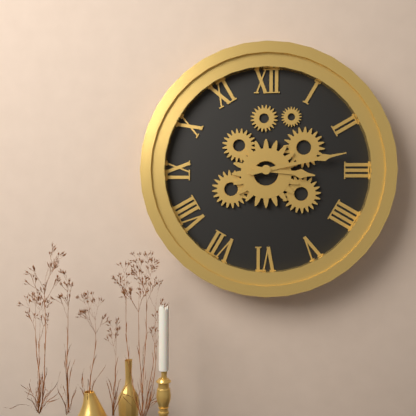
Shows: 3:13
